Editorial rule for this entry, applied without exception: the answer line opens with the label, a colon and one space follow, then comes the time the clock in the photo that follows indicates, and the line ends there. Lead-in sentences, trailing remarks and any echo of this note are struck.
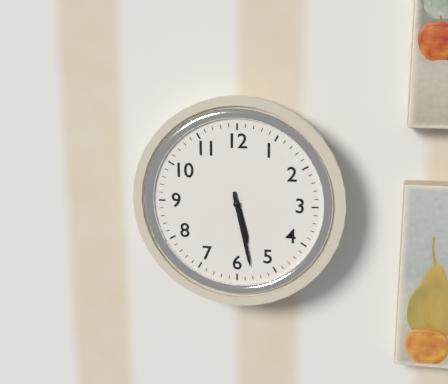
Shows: 5:28
